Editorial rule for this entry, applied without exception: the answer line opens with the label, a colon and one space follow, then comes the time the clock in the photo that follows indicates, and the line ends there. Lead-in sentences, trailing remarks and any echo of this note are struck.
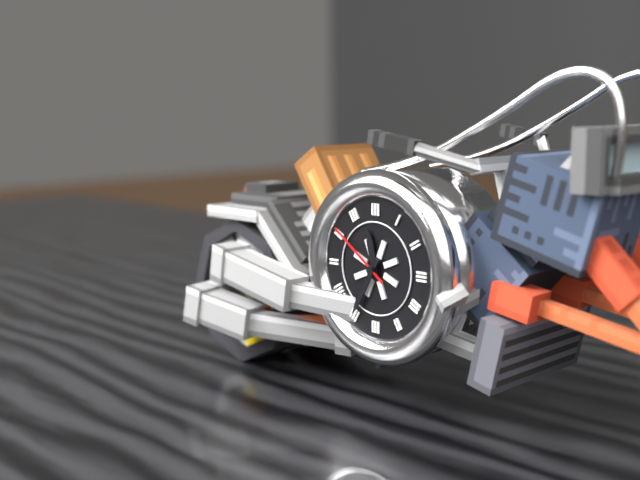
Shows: 11:35:51
